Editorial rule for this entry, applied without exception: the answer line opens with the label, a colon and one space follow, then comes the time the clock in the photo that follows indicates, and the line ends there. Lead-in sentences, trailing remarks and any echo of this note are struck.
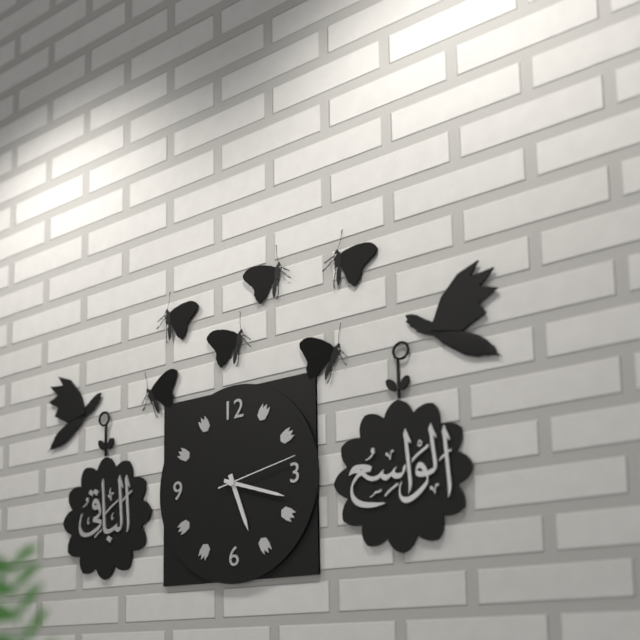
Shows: 5:18:13
